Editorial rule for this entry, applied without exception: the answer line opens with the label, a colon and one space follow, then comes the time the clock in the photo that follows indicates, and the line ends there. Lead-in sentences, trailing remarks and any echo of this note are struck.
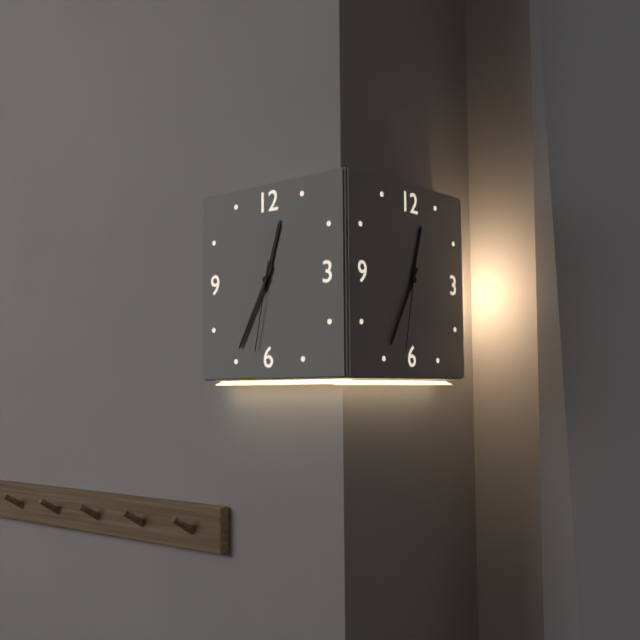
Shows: 12:35:32
